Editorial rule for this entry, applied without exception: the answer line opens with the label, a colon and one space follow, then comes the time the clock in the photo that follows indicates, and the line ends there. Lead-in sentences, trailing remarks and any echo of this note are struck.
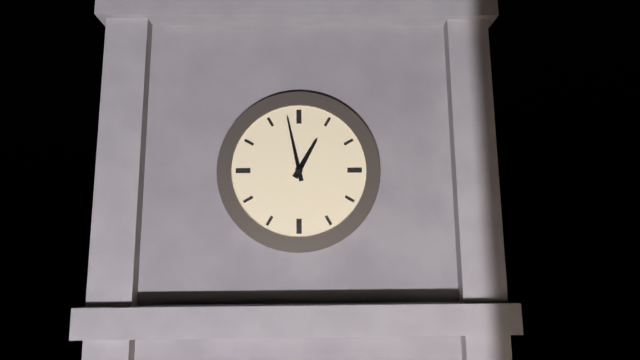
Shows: 12:58
